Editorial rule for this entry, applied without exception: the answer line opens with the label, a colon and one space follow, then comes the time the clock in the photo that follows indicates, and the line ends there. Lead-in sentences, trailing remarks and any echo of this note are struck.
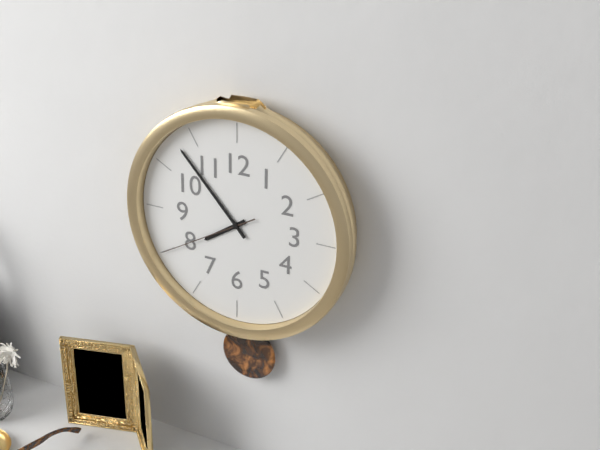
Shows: 7:53:40
